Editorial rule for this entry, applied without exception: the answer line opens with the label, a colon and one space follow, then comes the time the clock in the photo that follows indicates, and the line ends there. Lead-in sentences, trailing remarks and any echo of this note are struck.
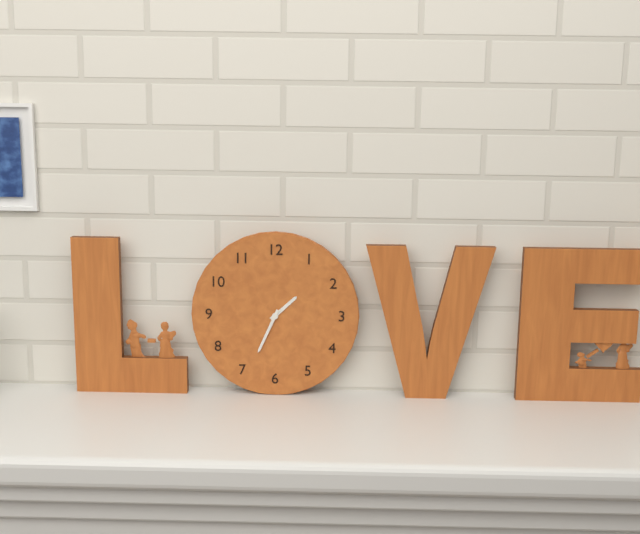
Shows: 1:34
